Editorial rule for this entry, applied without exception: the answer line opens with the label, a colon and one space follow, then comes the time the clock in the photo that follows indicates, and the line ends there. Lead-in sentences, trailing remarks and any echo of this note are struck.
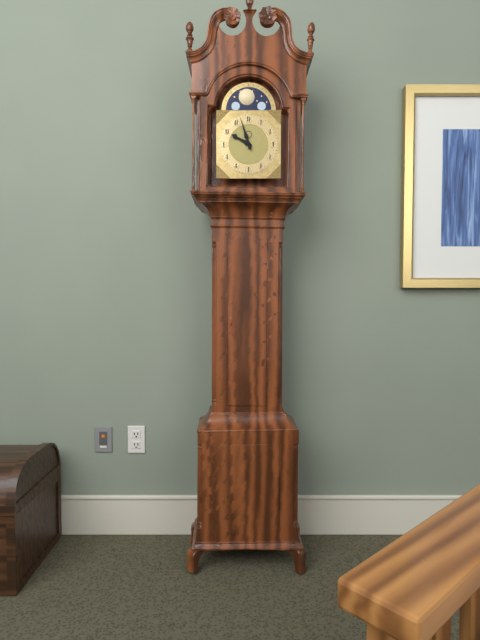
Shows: 9:57
